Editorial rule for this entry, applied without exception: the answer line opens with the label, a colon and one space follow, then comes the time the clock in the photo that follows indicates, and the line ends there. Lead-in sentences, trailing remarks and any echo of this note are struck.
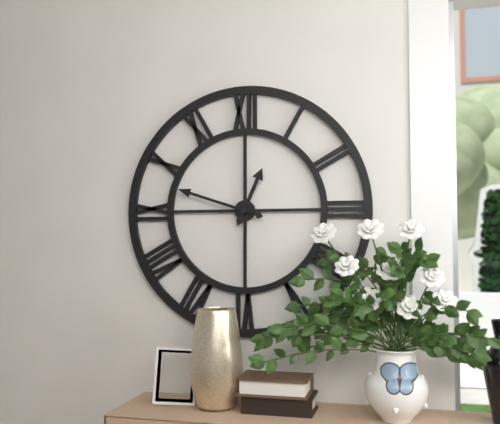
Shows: 12:48
